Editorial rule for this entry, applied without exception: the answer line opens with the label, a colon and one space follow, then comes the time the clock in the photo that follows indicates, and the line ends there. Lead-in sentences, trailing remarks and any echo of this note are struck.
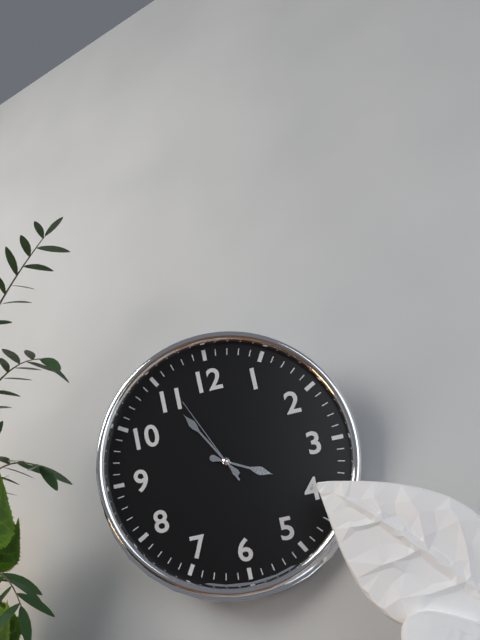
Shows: 3:55:56
